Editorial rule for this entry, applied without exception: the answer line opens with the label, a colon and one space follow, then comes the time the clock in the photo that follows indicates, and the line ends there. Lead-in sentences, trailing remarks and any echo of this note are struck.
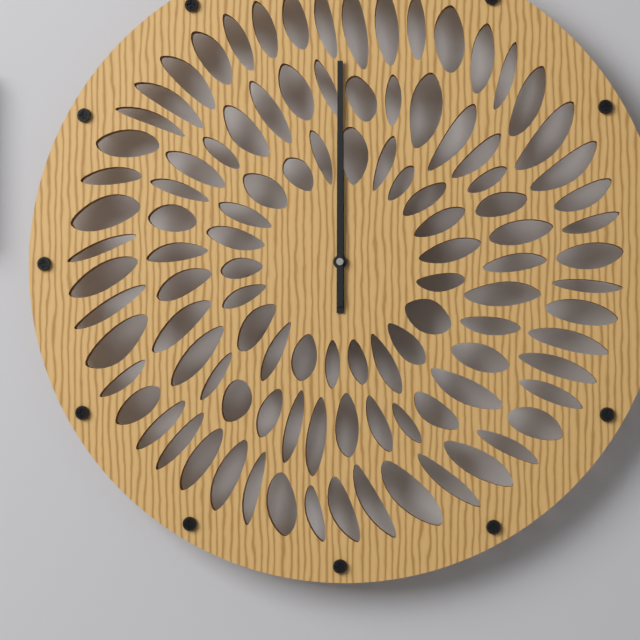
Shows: 12:00
